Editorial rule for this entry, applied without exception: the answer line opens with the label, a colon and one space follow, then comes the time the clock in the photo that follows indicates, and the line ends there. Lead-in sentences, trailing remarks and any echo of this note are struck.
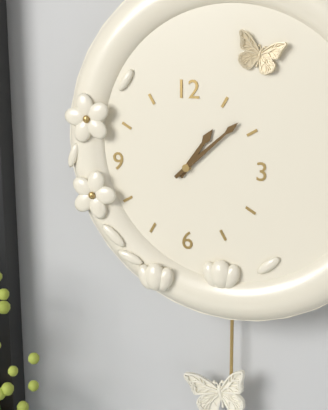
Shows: 1:08
